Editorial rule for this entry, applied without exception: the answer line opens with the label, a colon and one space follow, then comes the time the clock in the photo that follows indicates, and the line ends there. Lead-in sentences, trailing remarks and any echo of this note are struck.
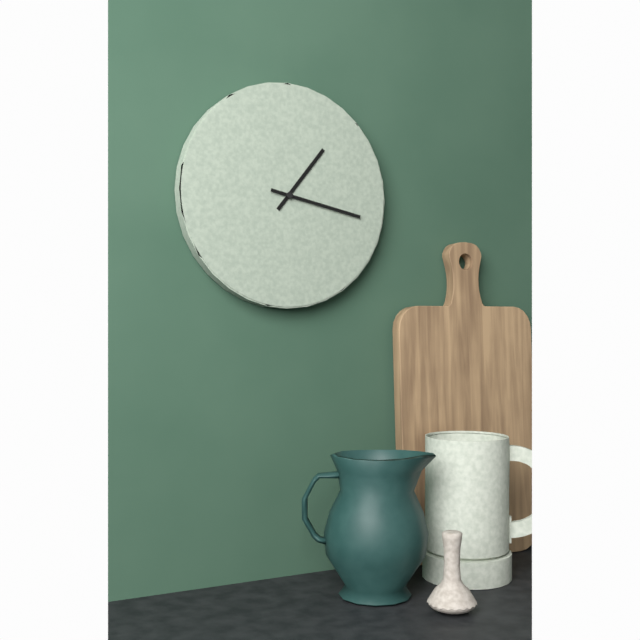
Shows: 1:17
